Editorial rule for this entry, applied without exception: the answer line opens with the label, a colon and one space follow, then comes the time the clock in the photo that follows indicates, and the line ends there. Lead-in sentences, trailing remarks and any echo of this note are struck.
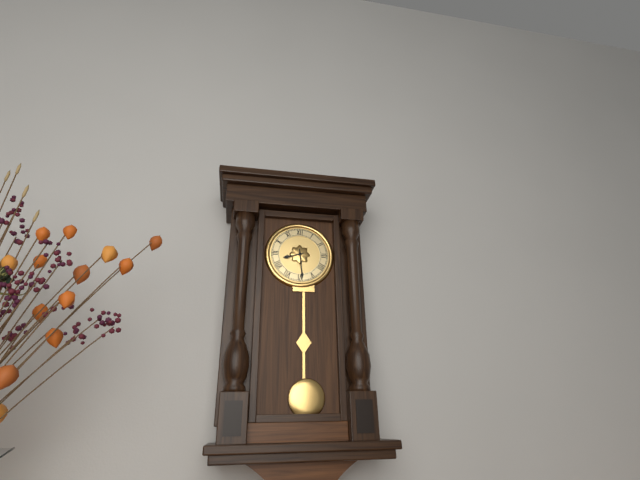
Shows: 8:29
